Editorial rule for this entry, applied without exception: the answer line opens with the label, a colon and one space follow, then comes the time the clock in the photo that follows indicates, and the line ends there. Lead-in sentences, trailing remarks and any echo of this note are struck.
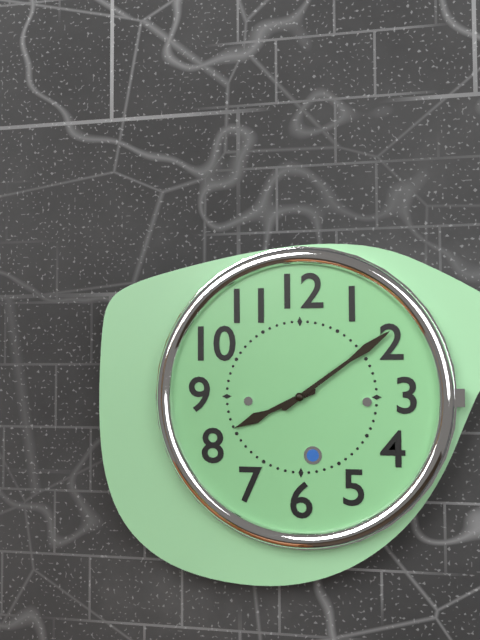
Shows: 8:09
